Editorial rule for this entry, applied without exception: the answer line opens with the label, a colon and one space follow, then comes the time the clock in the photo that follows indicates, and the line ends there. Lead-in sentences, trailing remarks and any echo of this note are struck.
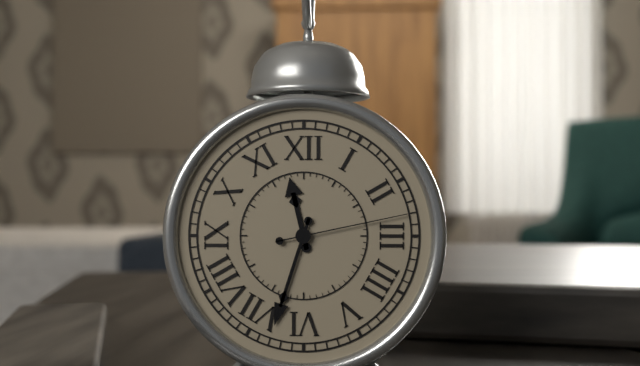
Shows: 11:33:13
